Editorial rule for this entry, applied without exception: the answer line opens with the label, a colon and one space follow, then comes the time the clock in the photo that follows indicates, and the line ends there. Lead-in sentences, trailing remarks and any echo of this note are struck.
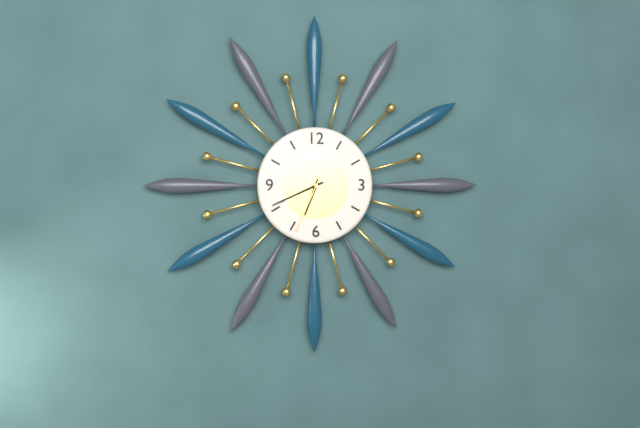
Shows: 6:41:34
